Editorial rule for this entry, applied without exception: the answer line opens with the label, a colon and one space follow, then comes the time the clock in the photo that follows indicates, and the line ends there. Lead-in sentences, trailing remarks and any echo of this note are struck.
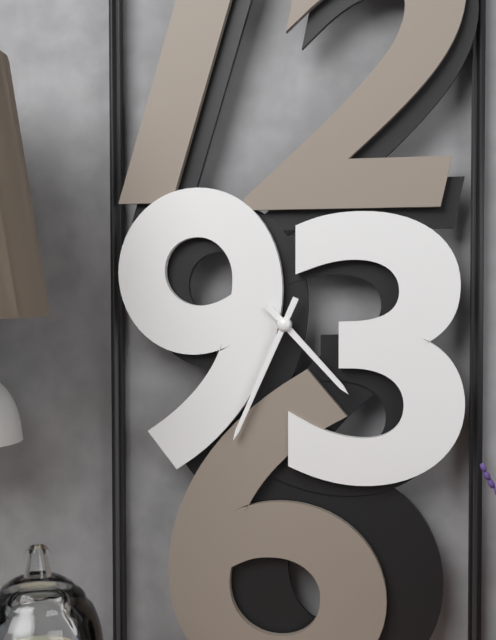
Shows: 4:34
